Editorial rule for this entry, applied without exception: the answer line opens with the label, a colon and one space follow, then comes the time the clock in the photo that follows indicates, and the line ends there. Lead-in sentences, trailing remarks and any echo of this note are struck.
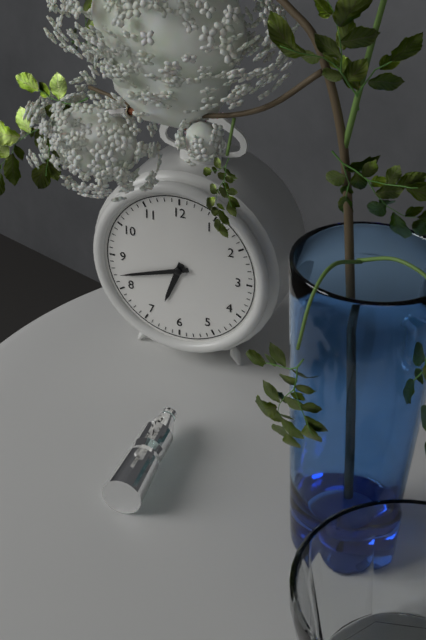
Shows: 6:42
